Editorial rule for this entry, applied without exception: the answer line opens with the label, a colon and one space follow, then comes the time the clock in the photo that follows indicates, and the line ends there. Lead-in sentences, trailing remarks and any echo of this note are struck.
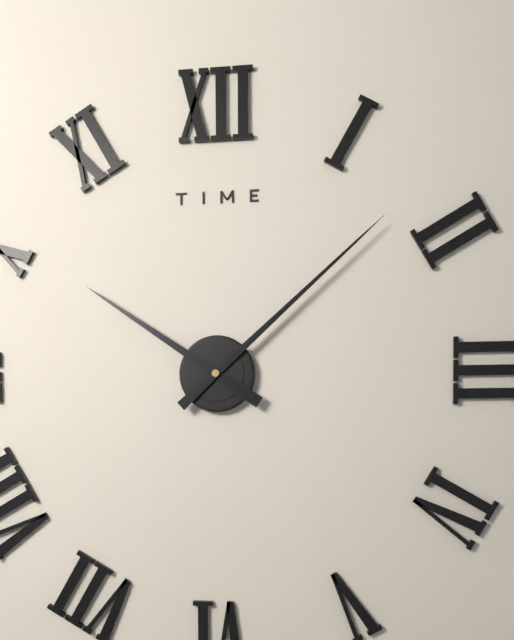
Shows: 10:08
